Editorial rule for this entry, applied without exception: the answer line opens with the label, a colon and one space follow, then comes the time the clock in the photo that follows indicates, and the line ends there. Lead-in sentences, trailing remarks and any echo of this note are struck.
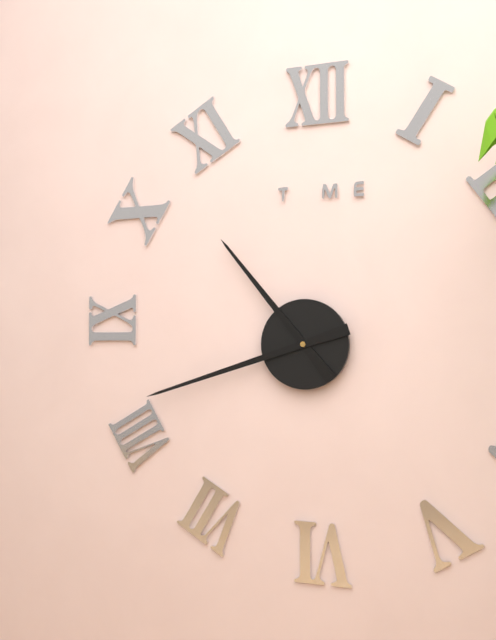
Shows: 10:42
